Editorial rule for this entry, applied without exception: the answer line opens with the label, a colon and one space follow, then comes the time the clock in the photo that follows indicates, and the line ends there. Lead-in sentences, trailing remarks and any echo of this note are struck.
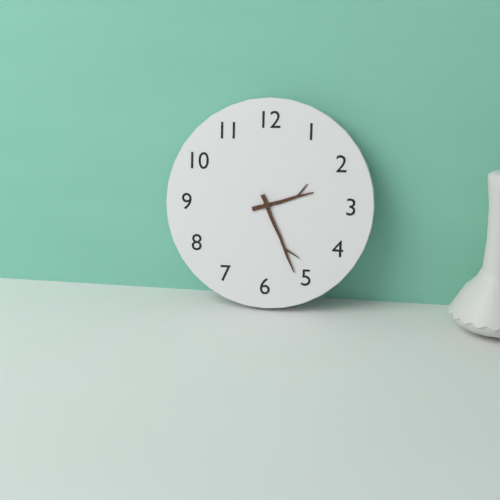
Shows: 2:26
